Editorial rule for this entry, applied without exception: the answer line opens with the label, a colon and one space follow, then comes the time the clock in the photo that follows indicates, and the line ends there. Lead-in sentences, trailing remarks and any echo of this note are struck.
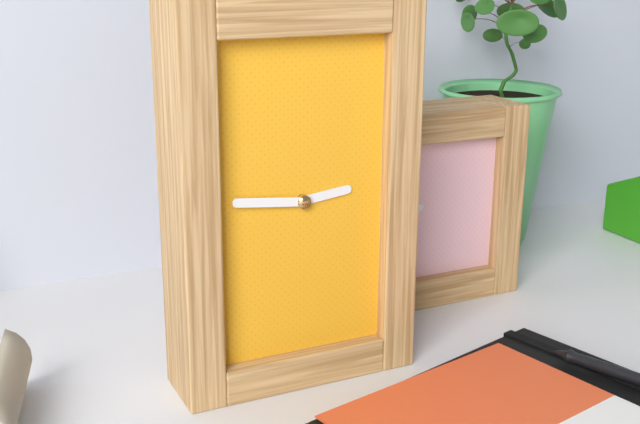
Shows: 2:46
